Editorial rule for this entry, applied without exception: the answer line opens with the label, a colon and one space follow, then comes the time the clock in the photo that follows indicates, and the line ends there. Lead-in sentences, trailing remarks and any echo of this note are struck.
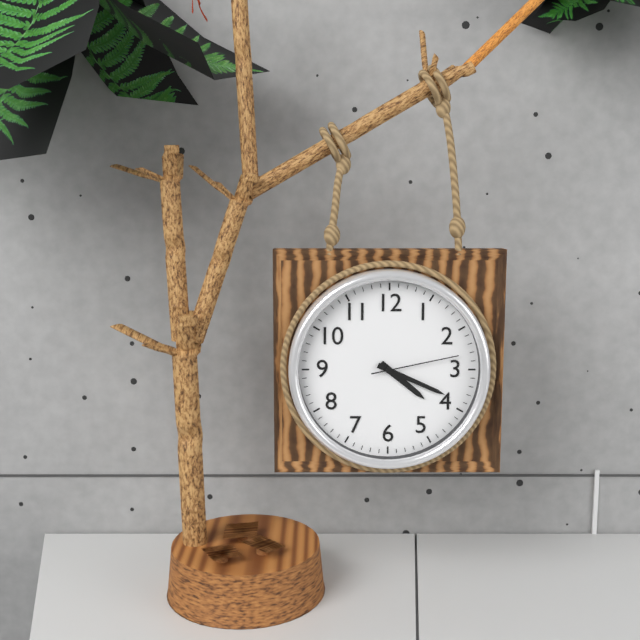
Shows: 4:19:13
